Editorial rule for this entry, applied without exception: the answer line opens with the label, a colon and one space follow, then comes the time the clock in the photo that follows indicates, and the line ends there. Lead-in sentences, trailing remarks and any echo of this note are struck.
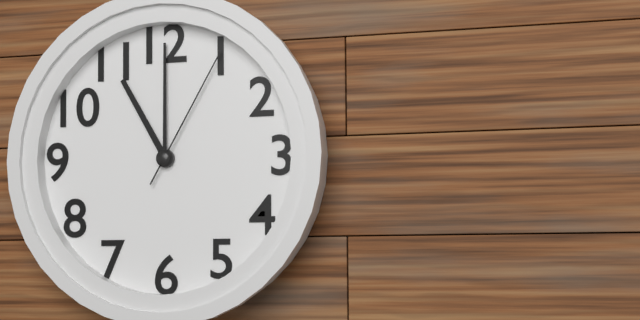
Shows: 11:00:05
